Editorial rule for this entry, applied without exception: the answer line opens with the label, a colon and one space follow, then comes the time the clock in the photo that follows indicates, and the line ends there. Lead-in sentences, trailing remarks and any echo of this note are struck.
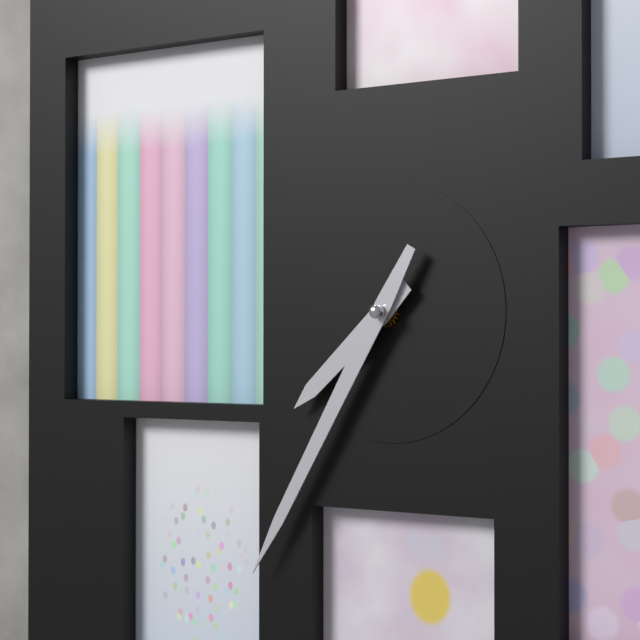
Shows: 7:35
